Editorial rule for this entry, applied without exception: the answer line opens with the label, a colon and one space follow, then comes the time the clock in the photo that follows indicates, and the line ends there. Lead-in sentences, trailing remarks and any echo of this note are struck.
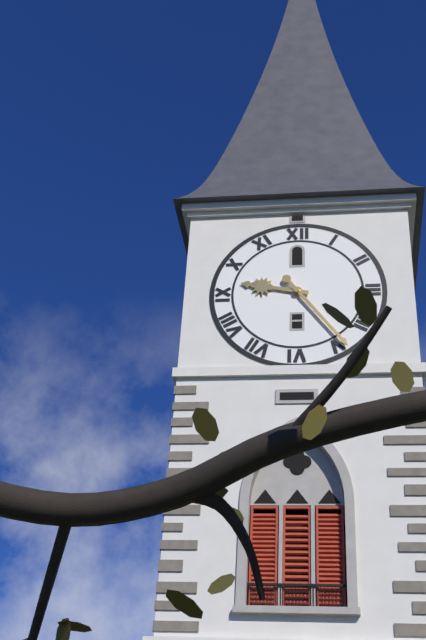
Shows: 9:24
